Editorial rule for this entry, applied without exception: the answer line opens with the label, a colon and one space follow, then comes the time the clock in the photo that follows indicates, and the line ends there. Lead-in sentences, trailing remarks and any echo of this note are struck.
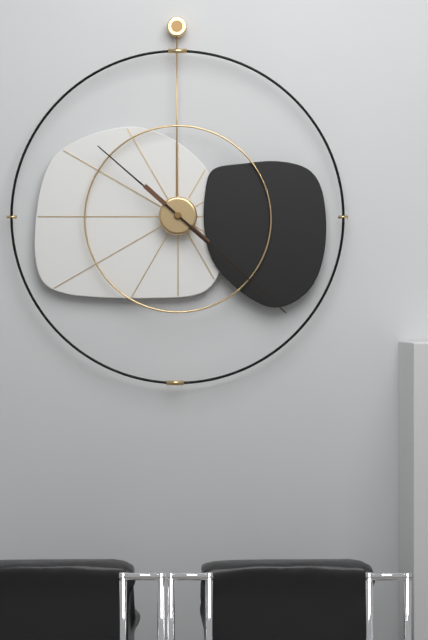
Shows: 10:22
